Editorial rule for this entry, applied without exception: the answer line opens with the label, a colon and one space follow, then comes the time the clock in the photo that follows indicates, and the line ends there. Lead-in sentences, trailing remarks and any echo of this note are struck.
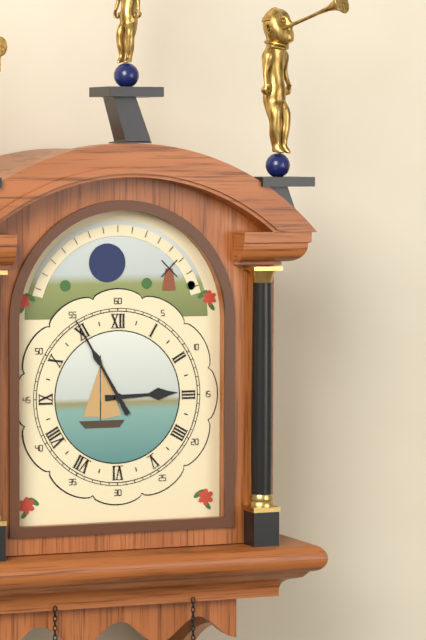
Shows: 2:55
